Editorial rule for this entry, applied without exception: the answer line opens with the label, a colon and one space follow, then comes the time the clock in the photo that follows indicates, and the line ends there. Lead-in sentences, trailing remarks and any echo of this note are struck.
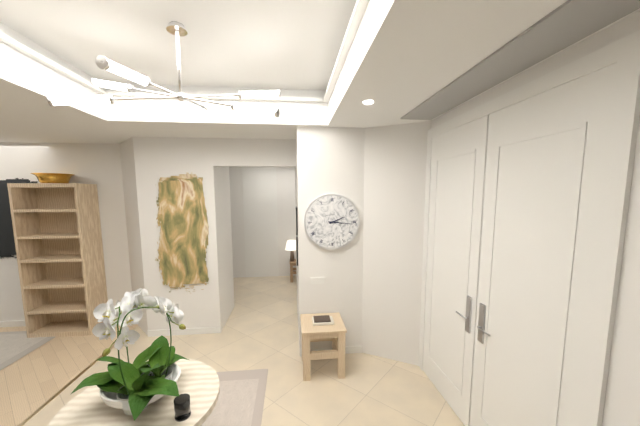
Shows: 2:16
